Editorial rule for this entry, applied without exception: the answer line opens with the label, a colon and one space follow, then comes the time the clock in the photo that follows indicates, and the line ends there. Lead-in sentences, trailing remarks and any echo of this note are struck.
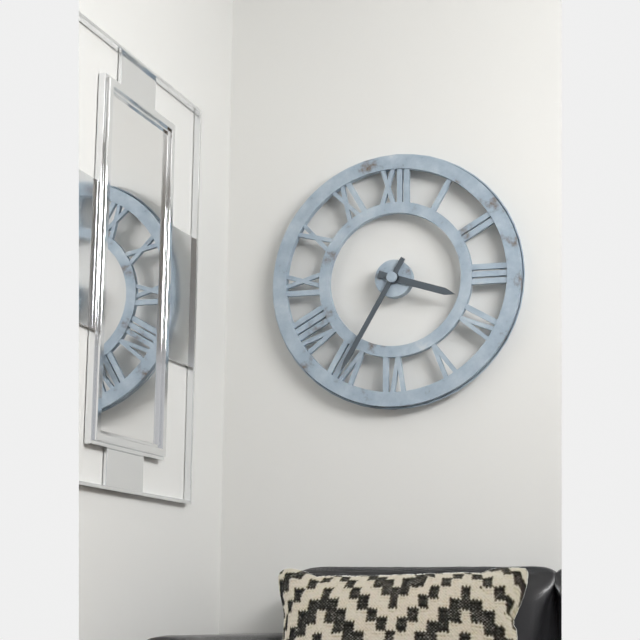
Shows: 3:35
